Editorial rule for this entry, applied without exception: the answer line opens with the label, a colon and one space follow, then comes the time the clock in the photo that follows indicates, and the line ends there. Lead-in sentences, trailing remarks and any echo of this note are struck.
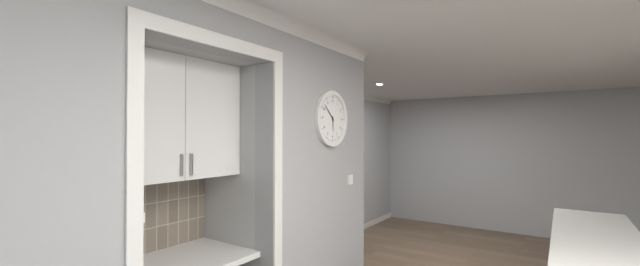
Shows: 5:52
